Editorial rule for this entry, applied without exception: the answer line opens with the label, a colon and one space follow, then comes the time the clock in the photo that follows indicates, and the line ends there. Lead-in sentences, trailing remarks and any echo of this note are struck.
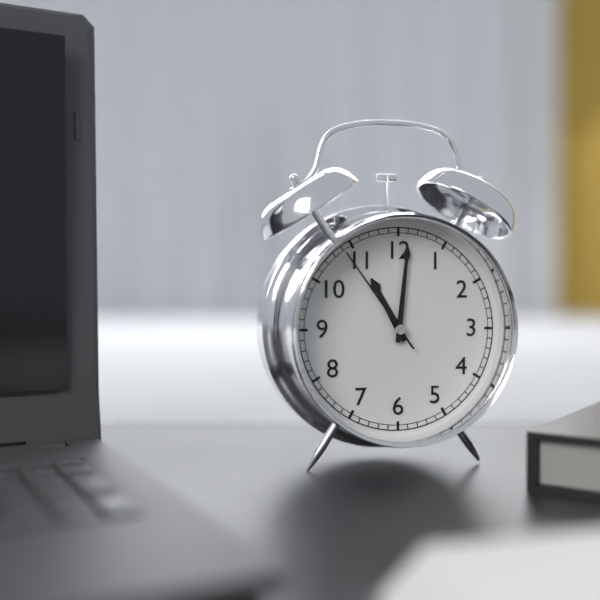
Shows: 11:01:54
